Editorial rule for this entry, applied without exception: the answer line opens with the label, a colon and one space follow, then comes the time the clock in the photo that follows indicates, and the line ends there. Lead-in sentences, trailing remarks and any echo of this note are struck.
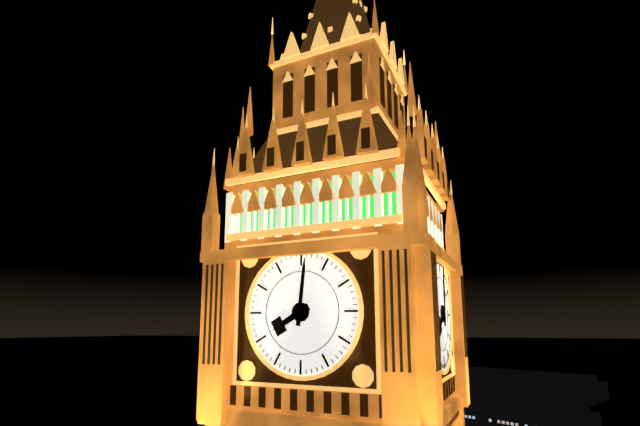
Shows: 8:01
